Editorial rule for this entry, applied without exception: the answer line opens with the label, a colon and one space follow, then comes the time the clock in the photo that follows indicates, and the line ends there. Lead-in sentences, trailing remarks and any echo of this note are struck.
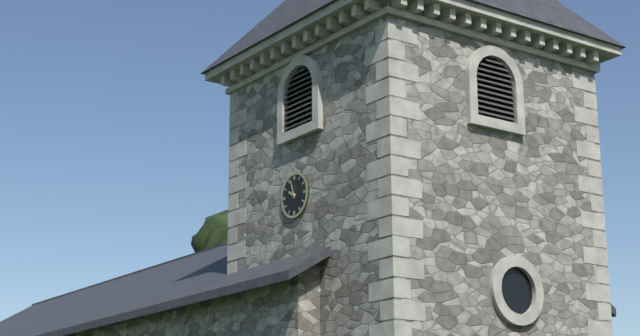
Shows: 9:57
